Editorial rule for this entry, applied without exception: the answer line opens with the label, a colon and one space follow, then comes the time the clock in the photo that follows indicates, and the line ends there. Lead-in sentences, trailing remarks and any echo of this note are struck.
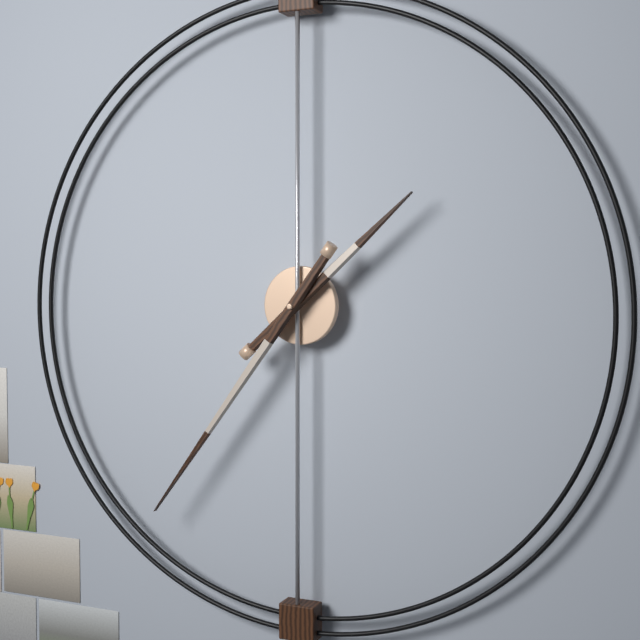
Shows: 1:36
